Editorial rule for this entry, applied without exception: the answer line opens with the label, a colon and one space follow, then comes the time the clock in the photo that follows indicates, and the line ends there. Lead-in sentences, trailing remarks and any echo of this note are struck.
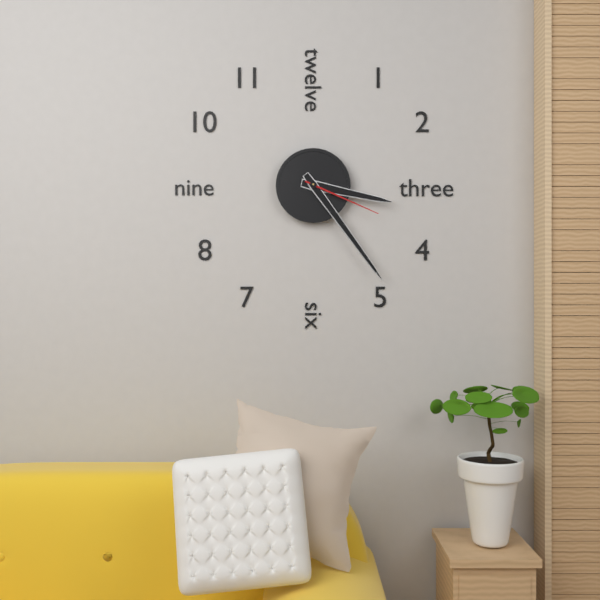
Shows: 3:24:19
